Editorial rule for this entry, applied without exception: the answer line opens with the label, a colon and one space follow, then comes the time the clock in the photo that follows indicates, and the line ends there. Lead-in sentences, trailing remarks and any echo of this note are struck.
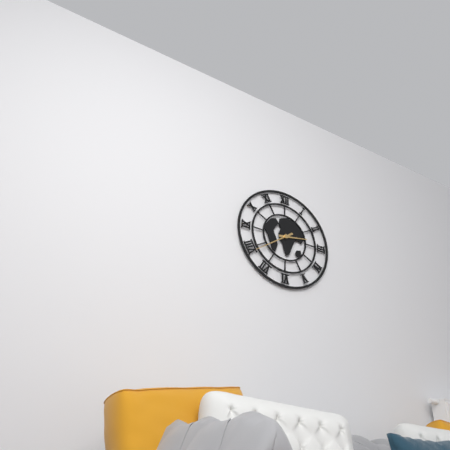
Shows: 2:39
